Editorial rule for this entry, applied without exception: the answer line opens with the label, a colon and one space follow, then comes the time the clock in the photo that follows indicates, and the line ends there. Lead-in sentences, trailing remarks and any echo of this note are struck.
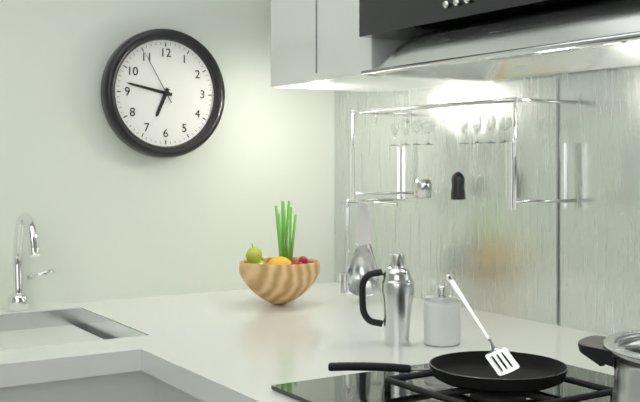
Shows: 6:47:55
